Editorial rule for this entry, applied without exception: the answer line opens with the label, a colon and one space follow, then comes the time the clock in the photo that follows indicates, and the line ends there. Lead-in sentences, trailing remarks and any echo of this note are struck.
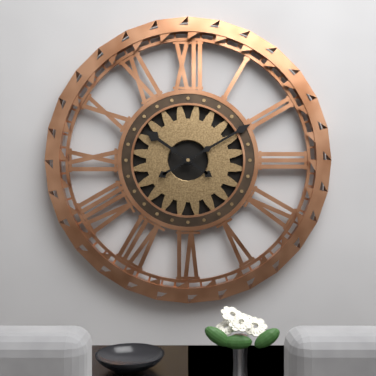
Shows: 10:10
